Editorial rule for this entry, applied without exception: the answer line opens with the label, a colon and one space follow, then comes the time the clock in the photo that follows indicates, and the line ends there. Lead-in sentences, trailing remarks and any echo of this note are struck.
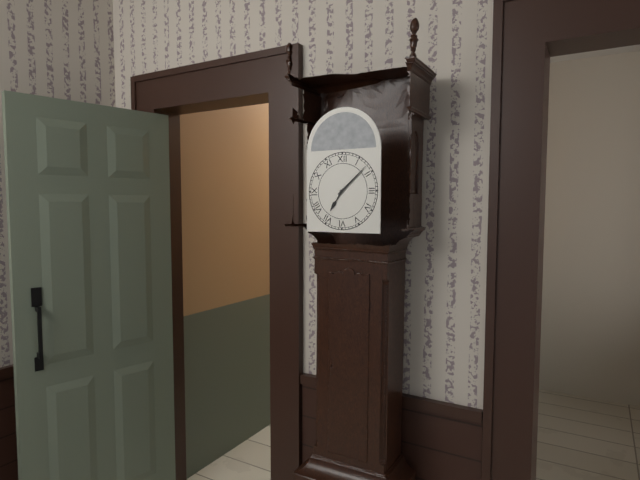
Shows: 7:08
